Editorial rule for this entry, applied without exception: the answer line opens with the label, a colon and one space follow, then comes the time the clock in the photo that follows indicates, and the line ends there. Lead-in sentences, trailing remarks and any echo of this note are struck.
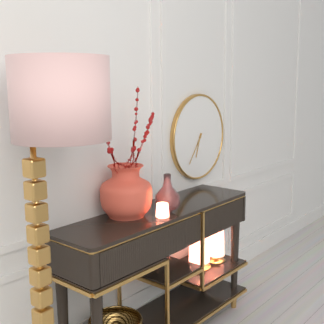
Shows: 6:36
